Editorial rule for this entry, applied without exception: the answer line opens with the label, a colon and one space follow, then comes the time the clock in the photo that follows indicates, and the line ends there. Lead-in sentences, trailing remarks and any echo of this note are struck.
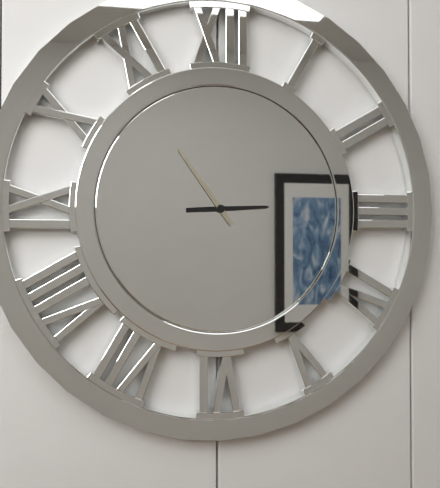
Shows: 2:54
